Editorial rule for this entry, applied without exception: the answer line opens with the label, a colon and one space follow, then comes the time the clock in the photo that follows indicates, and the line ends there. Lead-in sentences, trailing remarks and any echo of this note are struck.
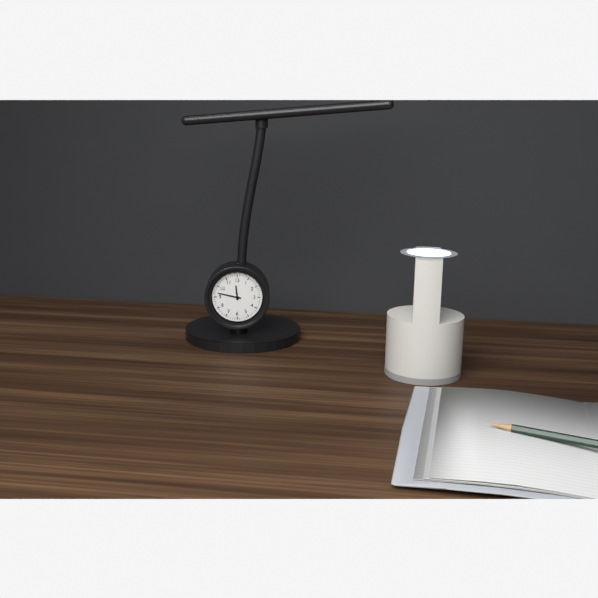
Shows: 11:47
